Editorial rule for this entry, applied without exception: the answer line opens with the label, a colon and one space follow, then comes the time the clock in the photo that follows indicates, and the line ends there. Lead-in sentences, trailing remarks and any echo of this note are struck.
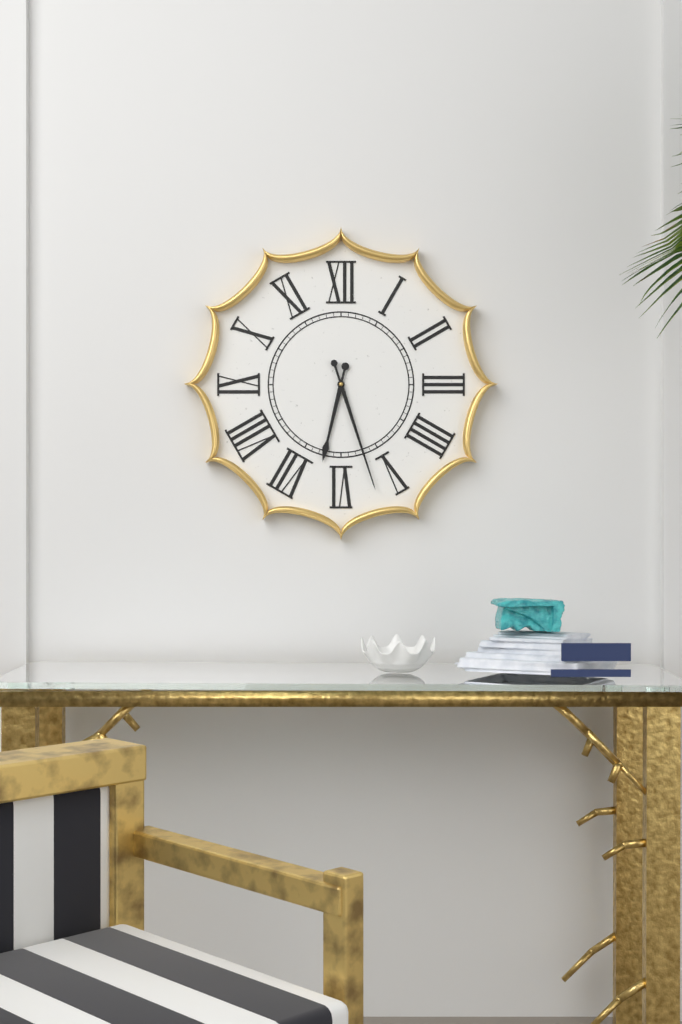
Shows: 6:27
